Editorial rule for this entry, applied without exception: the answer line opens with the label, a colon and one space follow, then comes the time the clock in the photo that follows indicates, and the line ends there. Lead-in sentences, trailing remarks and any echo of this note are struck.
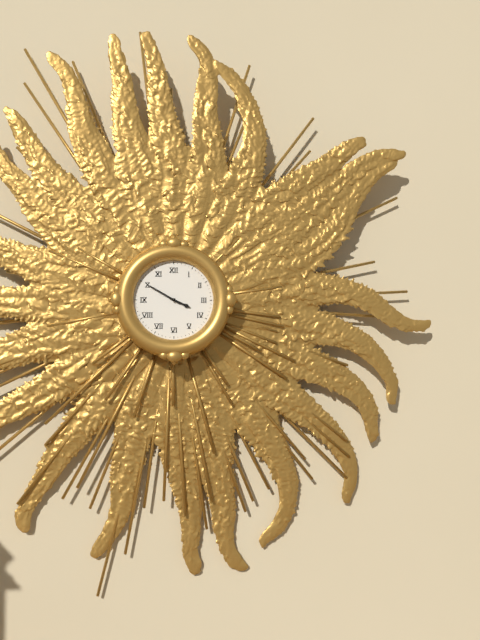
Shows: 3:50
